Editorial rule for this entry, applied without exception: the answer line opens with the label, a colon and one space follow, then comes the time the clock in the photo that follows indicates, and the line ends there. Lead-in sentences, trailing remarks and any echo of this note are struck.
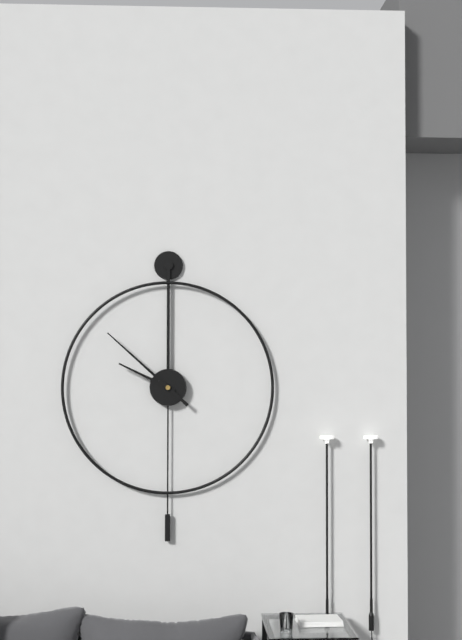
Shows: 9:52
